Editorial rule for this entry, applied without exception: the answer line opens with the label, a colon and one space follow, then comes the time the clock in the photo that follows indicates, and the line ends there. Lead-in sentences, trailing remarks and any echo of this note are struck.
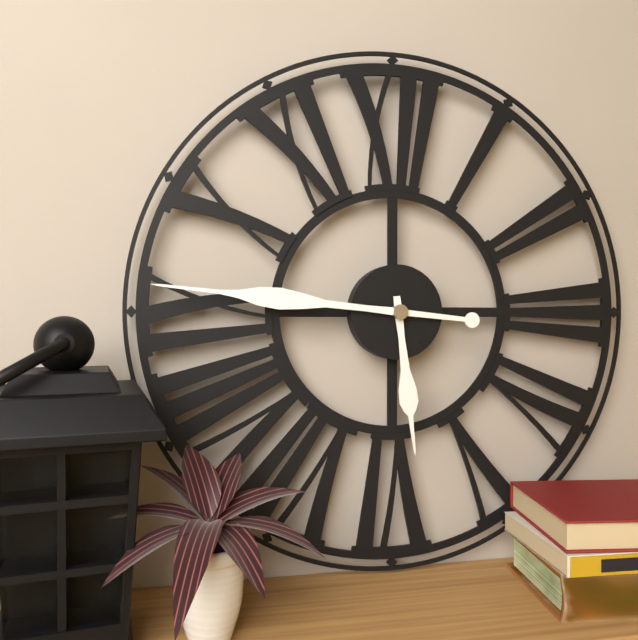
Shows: 5:46
